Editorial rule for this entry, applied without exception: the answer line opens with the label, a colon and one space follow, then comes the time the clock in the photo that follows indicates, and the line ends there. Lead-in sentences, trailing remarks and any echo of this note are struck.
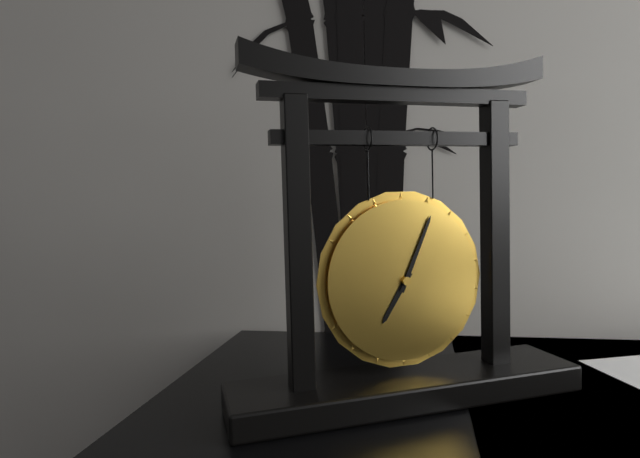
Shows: 7:04
